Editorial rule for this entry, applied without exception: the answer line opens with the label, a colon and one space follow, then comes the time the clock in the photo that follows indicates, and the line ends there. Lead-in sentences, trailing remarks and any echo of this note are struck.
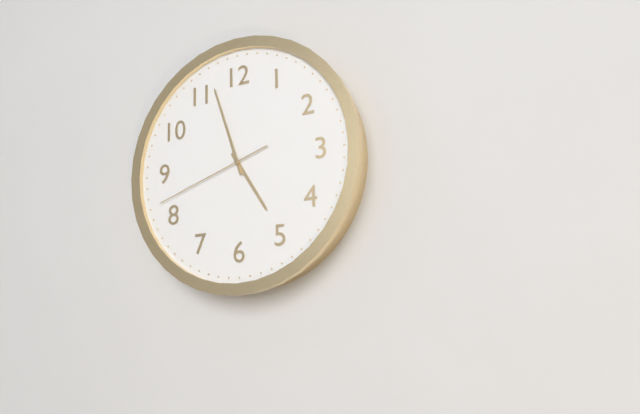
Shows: 4:57:42
